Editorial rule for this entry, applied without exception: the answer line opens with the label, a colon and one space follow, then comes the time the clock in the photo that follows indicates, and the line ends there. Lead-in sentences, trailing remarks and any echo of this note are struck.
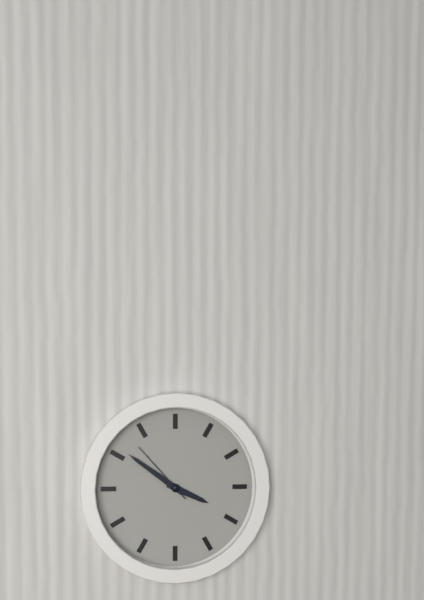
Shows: 3:51:53
